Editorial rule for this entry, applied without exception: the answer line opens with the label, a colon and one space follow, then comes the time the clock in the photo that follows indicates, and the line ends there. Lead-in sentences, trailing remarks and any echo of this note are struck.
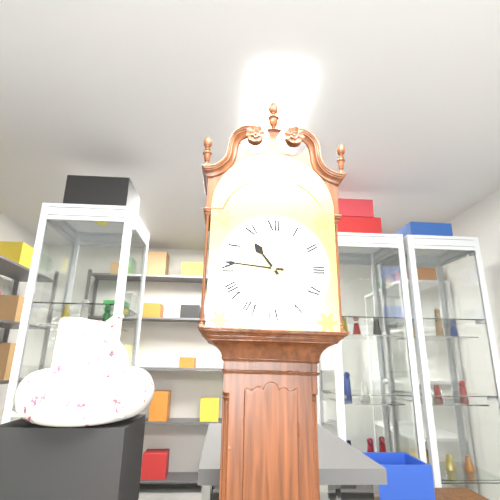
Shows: 10:46
